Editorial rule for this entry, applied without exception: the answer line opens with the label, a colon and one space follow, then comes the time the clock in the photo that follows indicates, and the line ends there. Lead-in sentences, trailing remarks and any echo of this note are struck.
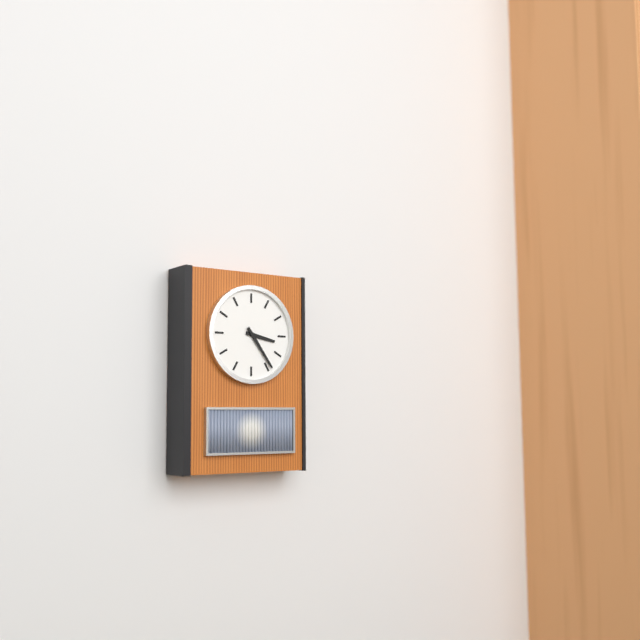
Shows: 3:24
